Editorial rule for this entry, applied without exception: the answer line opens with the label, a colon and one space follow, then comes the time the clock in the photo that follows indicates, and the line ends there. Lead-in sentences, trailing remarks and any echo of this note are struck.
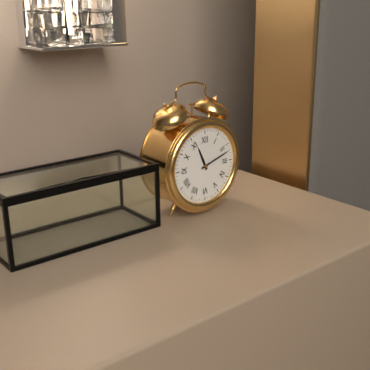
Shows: 11:12
